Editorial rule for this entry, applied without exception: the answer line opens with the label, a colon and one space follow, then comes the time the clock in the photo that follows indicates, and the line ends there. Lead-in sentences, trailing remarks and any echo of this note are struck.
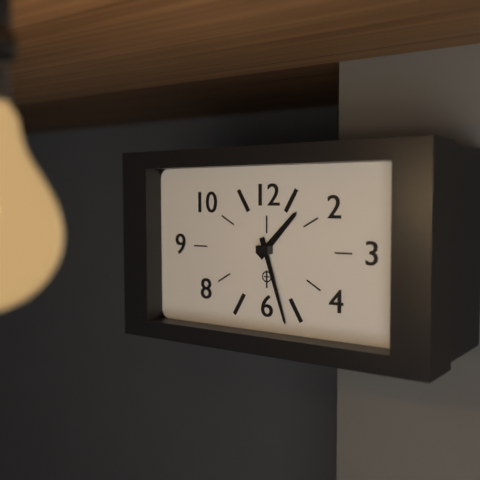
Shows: 1:27
